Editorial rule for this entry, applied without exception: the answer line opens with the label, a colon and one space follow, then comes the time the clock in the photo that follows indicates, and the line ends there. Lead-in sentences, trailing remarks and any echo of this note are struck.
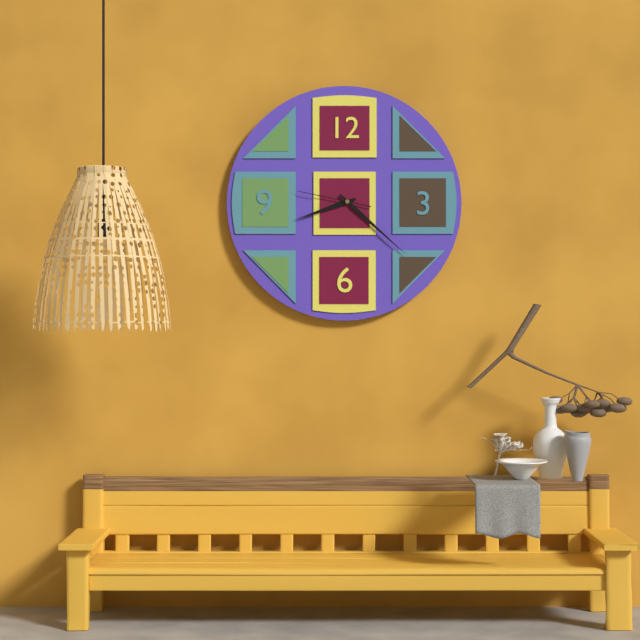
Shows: 8:22:47
